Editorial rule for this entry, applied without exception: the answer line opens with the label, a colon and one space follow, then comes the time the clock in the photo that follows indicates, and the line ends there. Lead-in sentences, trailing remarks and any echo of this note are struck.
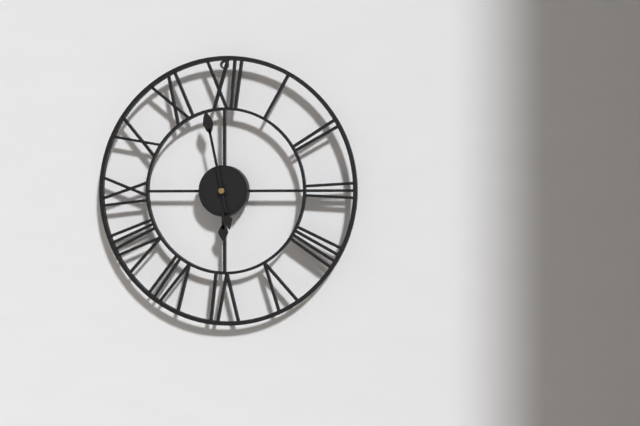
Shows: 5:58
